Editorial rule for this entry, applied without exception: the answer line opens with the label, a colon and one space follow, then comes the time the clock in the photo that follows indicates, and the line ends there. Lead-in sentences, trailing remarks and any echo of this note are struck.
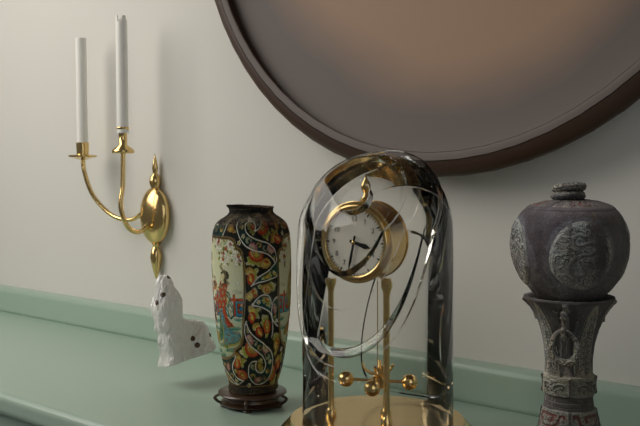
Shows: 3:32
